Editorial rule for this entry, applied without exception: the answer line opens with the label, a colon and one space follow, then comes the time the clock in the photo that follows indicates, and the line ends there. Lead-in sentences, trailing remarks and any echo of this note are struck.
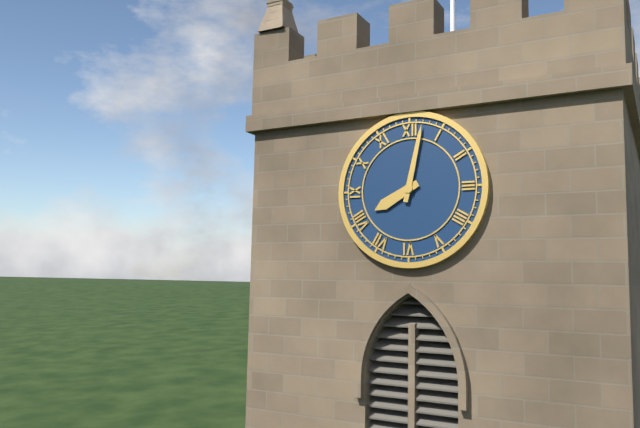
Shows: 8:02
